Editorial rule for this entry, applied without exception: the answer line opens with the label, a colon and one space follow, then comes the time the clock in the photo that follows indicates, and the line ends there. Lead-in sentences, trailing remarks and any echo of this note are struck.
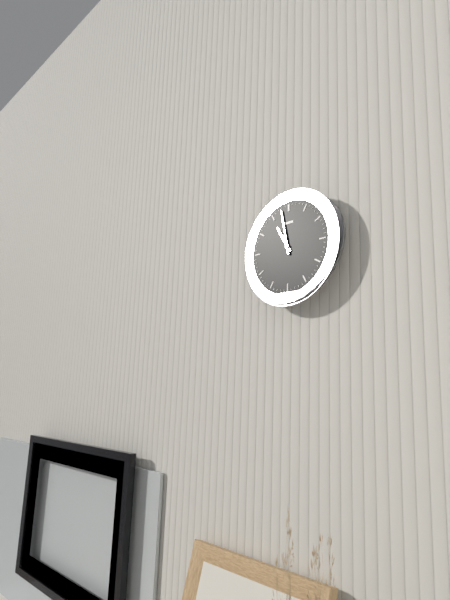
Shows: 10:58
